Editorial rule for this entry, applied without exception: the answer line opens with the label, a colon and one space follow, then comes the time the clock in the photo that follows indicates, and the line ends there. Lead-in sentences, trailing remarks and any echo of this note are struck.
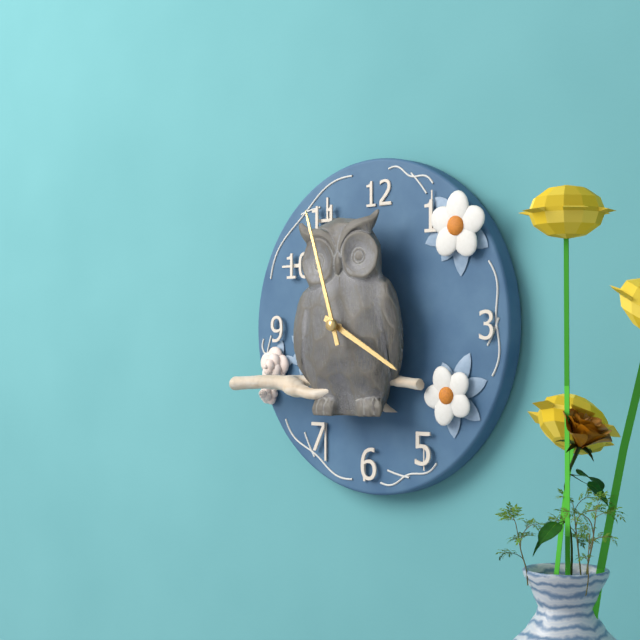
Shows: 3:57
